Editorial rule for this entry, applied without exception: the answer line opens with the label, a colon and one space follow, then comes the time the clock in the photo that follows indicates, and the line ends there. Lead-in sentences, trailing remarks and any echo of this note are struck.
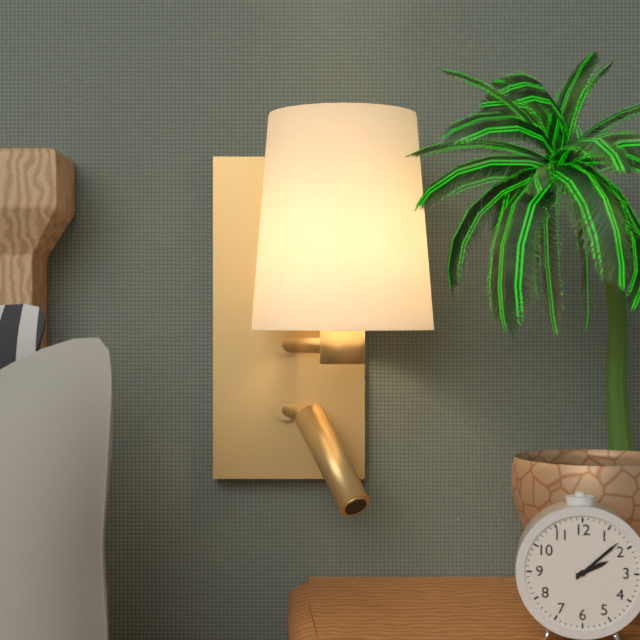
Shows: 2:08
